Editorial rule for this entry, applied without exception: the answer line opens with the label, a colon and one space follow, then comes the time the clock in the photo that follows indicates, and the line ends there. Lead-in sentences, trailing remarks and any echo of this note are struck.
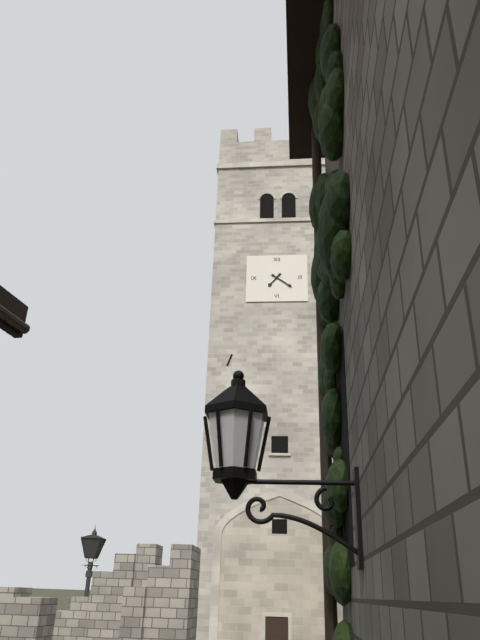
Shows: 7:21
